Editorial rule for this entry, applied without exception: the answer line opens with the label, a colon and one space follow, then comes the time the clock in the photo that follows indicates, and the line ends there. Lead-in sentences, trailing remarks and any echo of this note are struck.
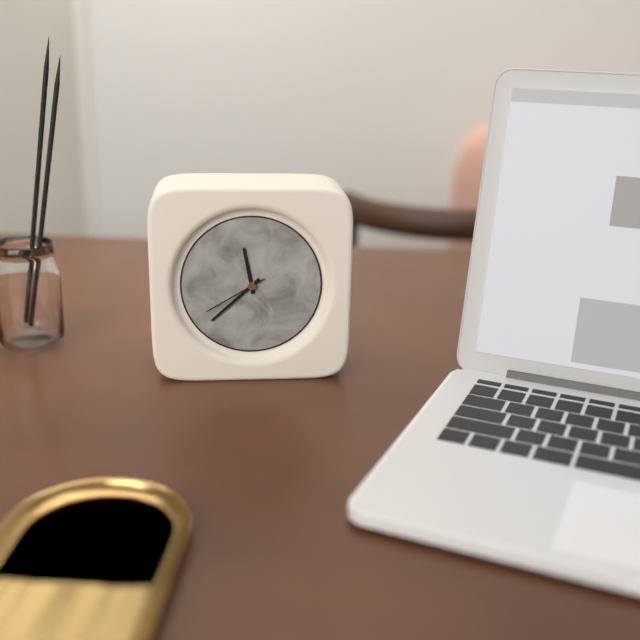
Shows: 11:38:40
